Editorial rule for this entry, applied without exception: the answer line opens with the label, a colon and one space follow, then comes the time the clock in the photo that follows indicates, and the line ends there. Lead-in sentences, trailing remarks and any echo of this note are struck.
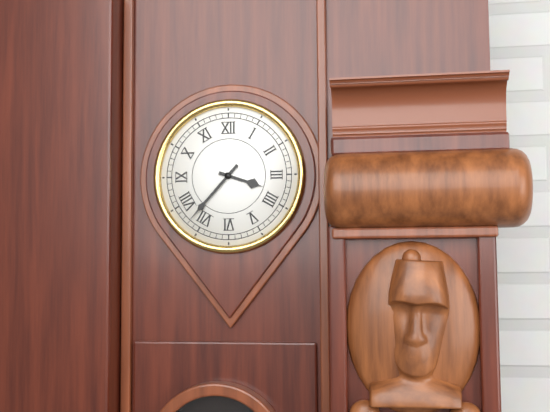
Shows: 3:37
